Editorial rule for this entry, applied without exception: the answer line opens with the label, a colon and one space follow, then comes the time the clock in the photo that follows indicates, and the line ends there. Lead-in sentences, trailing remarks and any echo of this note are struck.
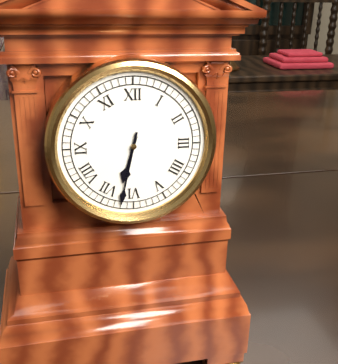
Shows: 6:32
